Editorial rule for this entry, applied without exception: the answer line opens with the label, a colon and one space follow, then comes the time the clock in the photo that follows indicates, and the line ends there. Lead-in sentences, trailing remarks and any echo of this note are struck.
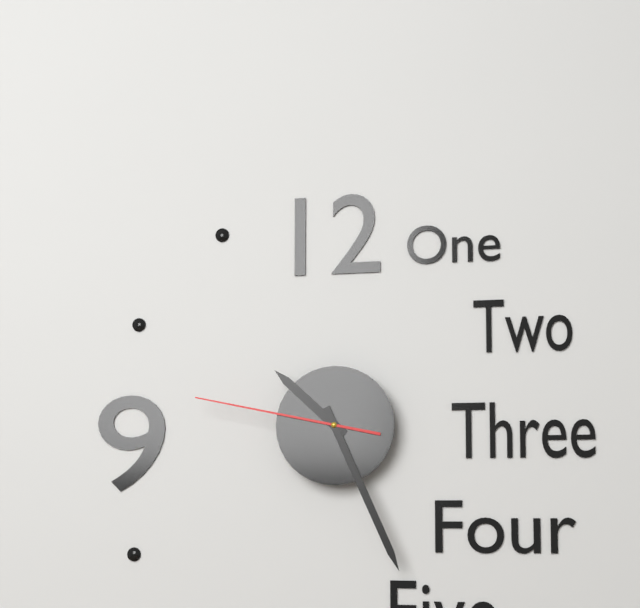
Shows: 10:26:47
